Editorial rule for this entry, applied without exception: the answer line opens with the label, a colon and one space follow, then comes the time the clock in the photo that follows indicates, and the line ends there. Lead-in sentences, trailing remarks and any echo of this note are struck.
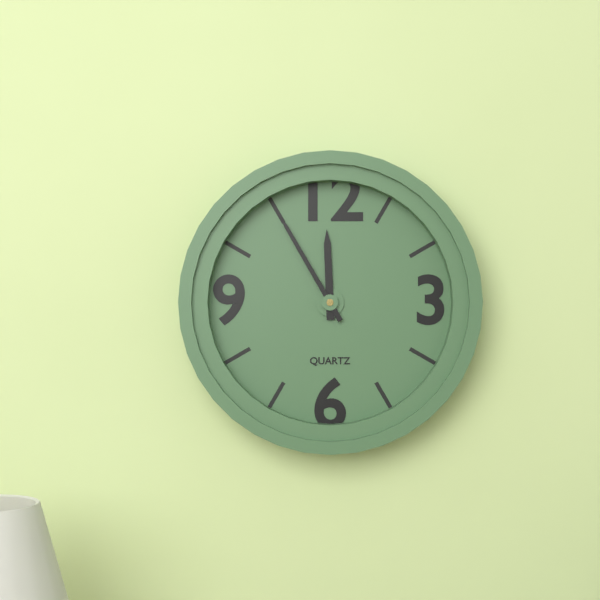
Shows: 11:55
